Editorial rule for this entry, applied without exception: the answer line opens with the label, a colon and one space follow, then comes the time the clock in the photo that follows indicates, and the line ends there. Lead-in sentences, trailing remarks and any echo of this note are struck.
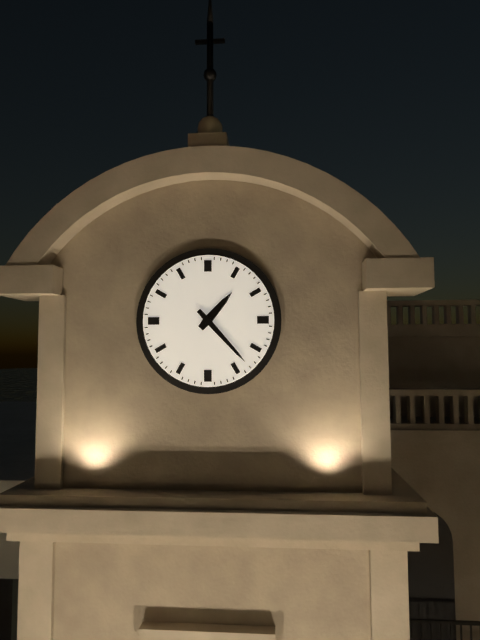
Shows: 1:23
